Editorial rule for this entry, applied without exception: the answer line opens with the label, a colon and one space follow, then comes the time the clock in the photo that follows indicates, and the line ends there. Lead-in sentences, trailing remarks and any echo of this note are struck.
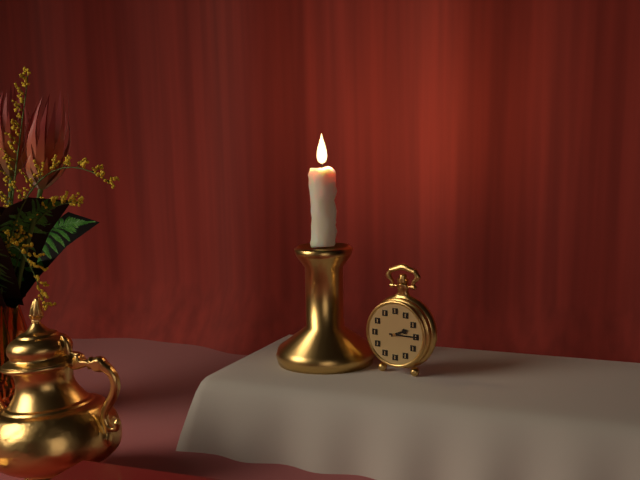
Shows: 2:15
